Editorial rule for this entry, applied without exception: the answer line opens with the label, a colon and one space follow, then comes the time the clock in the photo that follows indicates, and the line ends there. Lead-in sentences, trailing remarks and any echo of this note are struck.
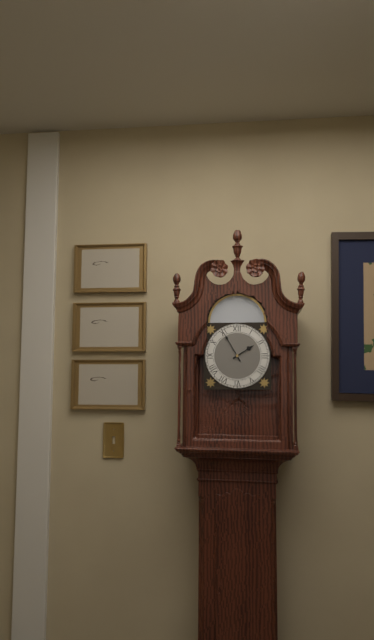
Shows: 1:55
